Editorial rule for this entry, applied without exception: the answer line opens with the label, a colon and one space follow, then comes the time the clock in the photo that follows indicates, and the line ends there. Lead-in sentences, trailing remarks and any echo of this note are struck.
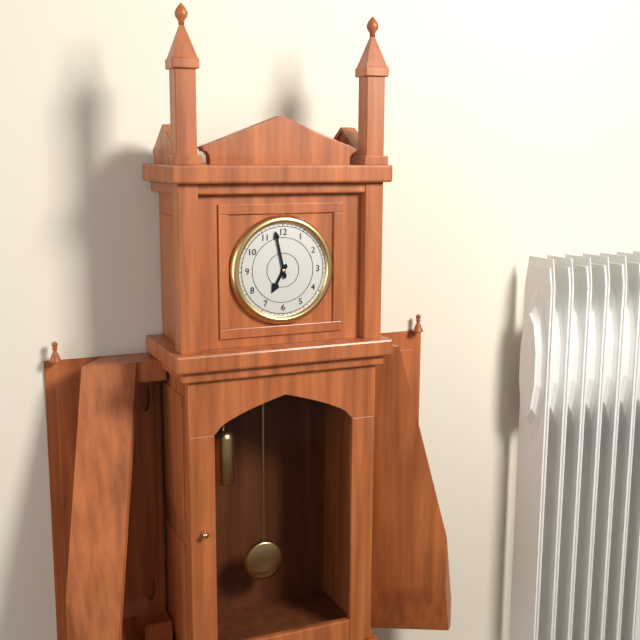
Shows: 6:58
